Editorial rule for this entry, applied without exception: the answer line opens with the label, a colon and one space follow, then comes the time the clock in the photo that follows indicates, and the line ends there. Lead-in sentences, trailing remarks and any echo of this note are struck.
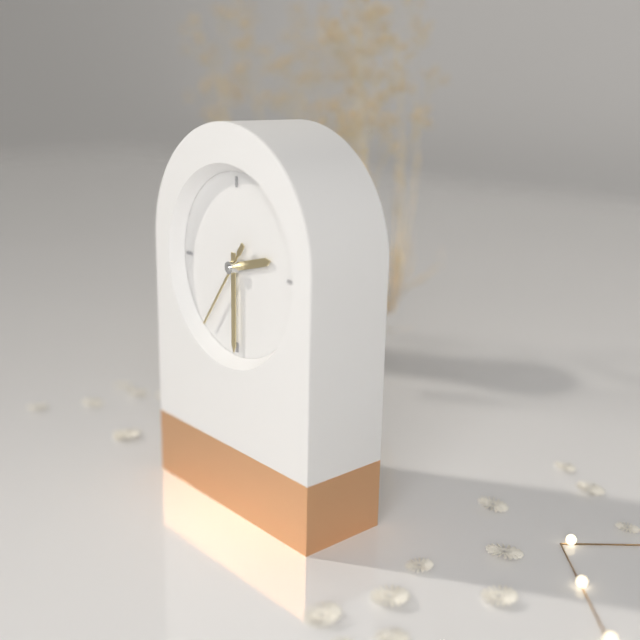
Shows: 2:30:36
